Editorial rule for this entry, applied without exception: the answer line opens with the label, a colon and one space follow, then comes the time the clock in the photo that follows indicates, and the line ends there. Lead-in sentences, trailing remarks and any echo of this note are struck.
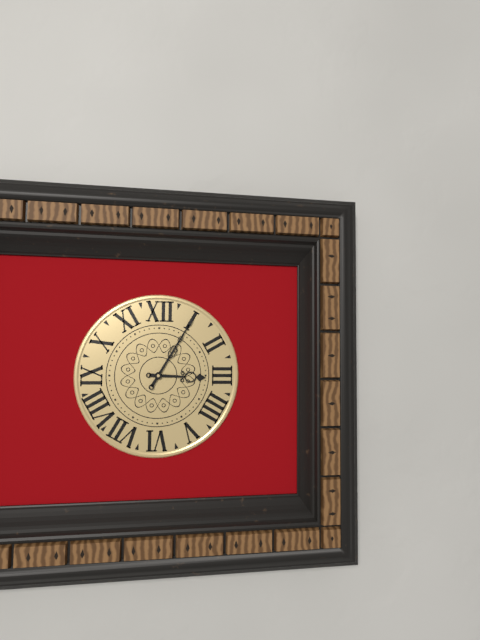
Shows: 3:05
